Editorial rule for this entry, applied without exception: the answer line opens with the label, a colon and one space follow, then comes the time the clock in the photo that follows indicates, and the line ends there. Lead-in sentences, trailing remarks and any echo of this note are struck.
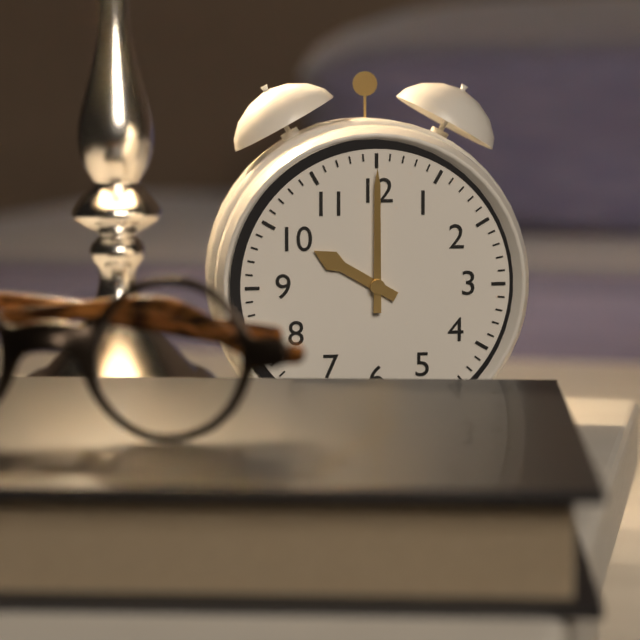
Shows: 10:00
